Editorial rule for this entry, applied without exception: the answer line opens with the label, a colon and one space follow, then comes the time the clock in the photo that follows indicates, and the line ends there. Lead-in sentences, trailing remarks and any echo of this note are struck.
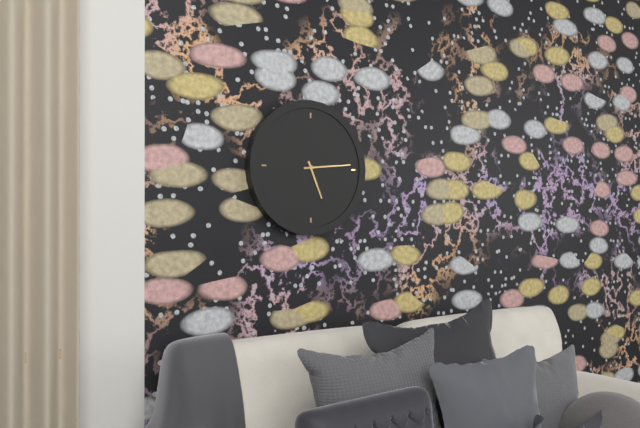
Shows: 5:14
